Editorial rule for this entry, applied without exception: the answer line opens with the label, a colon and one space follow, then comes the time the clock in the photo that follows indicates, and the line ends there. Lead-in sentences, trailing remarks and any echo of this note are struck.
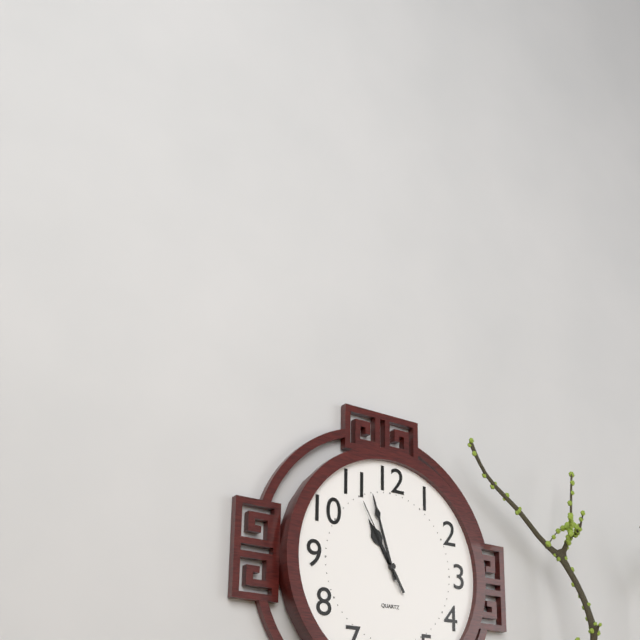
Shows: 10:57:55
